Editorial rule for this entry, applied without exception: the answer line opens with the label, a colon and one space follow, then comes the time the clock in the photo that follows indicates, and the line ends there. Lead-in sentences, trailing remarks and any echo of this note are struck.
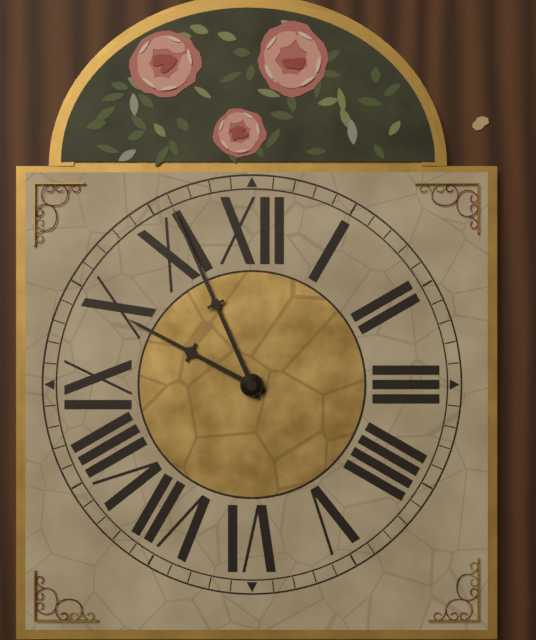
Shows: 9:56
